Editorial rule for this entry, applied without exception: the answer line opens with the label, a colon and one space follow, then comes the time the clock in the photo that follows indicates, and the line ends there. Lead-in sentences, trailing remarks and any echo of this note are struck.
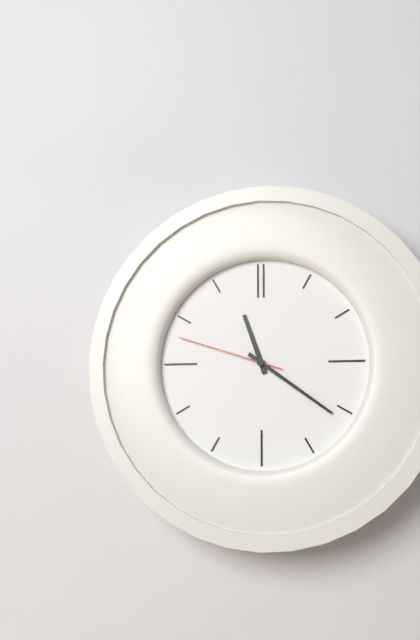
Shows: 11:21:48
